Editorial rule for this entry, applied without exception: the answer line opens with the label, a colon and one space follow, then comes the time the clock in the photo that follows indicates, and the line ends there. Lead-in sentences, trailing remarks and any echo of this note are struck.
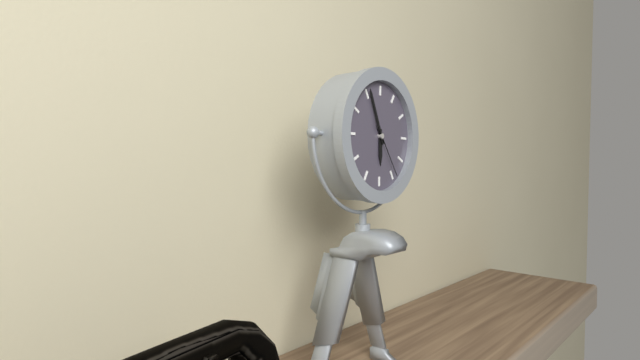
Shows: 5:56:24
